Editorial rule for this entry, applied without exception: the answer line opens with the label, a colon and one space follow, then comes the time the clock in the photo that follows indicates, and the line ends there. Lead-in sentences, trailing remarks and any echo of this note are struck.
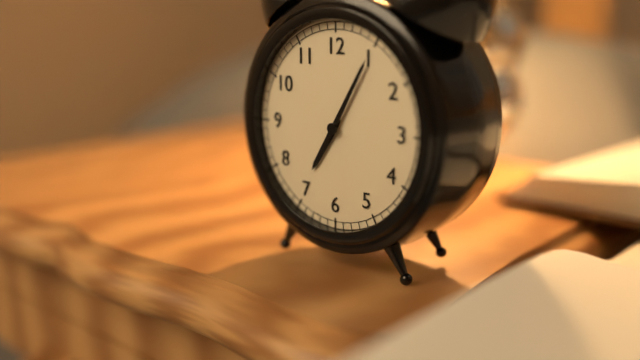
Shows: 7:05
